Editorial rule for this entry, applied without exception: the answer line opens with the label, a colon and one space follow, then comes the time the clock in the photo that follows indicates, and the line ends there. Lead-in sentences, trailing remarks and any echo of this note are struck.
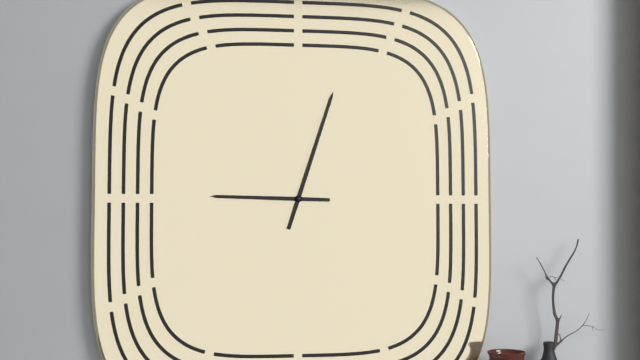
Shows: 9:03
